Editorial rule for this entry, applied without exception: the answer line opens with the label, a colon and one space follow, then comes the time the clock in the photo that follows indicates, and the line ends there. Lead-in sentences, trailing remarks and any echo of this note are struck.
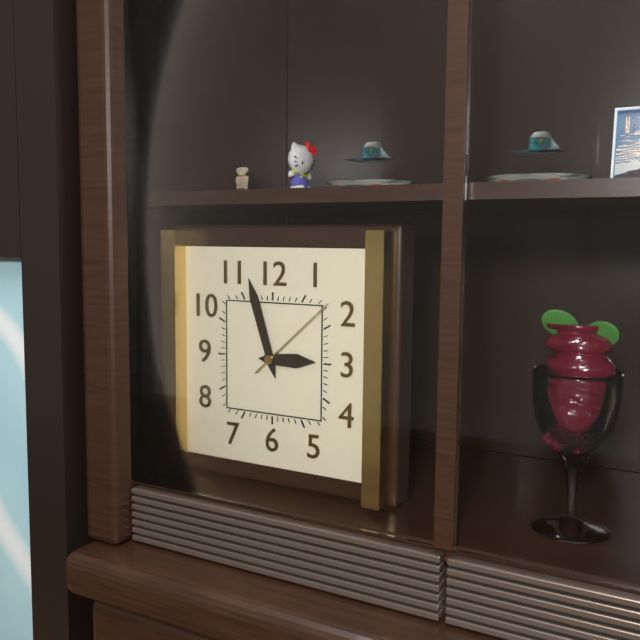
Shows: 2:57:08
